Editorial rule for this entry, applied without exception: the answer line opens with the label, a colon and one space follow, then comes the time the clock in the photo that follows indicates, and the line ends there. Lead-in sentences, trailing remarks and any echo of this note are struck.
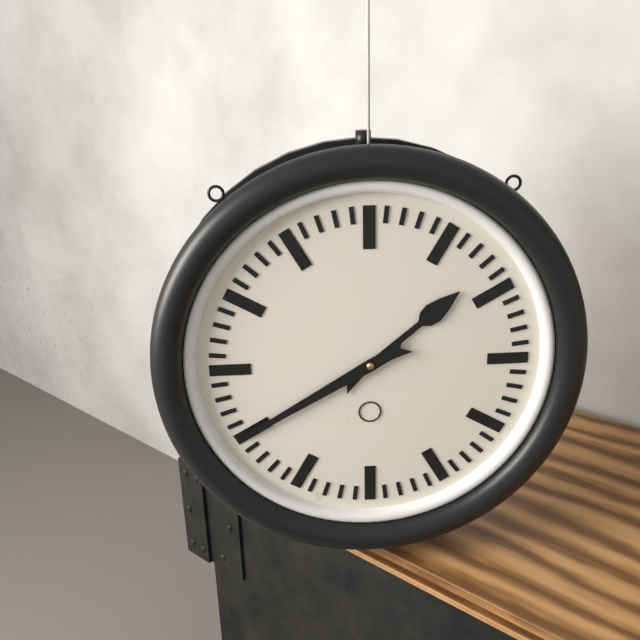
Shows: 1:40
